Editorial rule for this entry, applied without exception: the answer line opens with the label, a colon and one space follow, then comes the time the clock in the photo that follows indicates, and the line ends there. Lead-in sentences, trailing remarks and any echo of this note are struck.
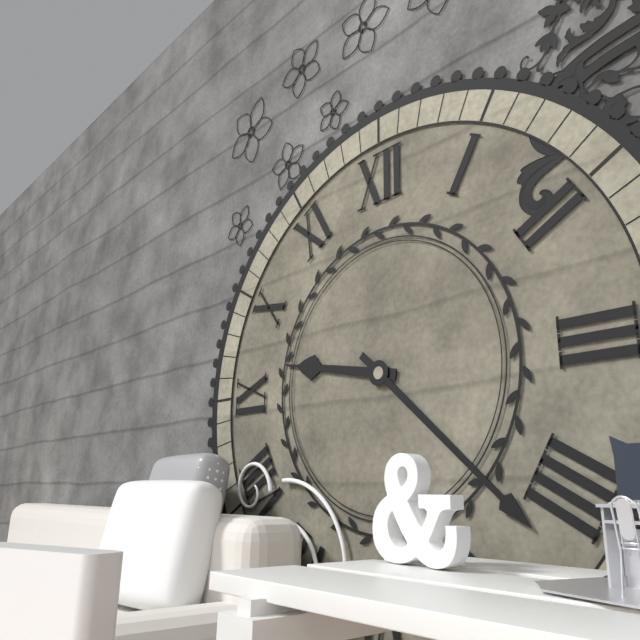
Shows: 9:22
